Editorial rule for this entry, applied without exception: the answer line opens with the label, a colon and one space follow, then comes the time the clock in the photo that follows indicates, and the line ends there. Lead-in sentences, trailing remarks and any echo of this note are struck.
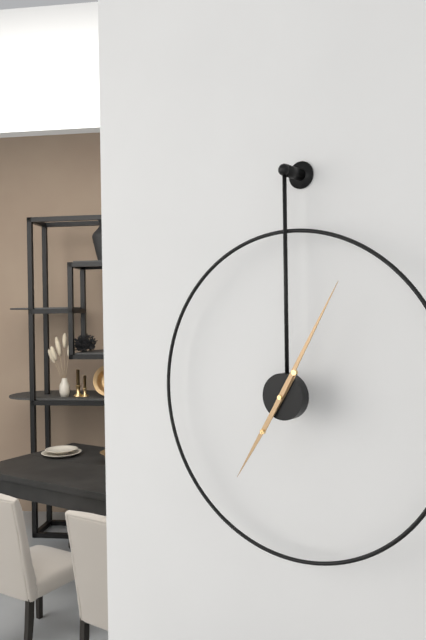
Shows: 7:05
